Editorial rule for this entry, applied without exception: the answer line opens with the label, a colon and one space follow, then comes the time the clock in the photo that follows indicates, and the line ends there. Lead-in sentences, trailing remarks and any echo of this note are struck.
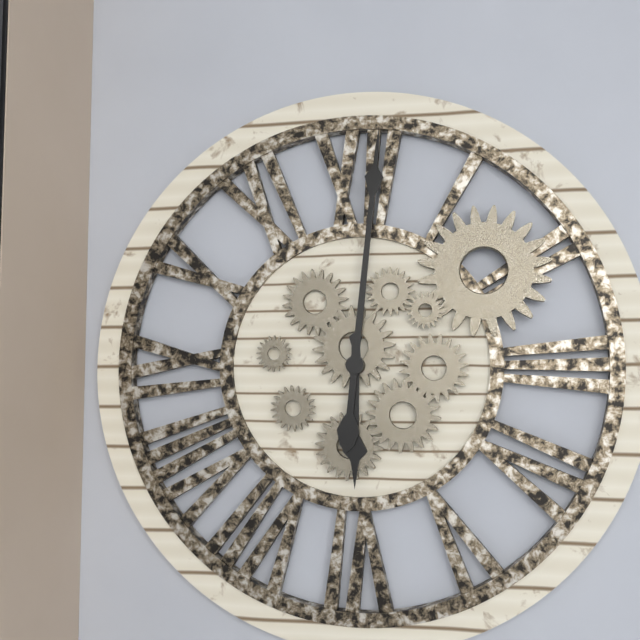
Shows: 6:01
